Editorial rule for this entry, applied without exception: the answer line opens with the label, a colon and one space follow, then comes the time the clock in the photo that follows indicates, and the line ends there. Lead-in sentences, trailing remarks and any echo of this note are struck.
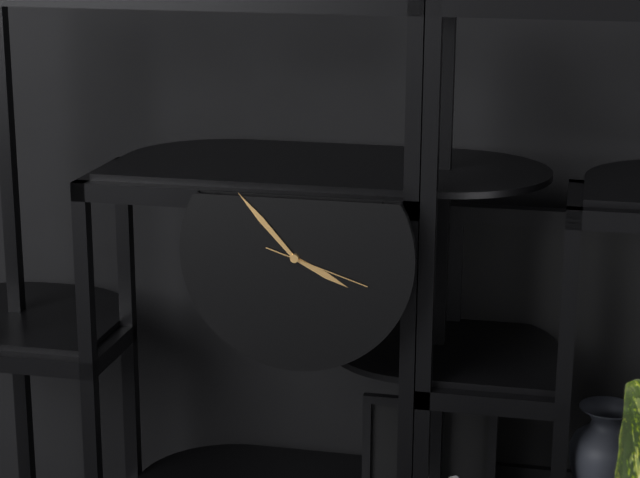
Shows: 3:53:18
